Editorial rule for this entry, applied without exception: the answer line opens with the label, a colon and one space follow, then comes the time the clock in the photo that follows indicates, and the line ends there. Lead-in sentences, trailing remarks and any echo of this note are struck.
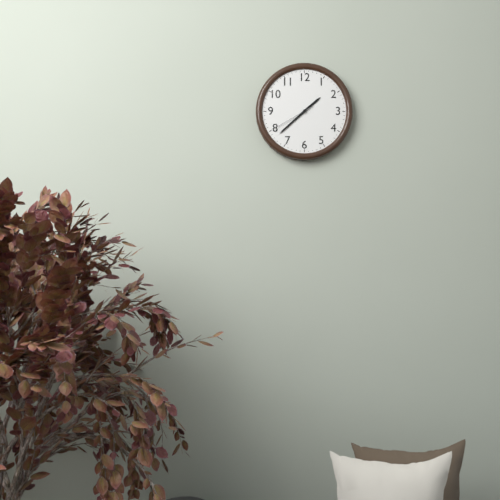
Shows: 1:38
